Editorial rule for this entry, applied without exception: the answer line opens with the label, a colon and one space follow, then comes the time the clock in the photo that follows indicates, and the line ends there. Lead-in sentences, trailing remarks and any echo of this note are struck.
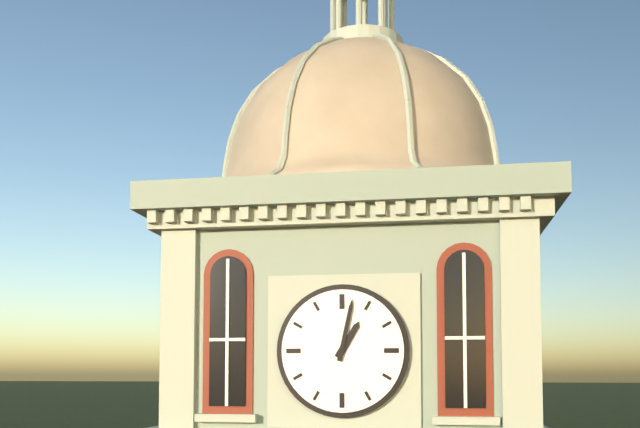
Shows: 1:02
